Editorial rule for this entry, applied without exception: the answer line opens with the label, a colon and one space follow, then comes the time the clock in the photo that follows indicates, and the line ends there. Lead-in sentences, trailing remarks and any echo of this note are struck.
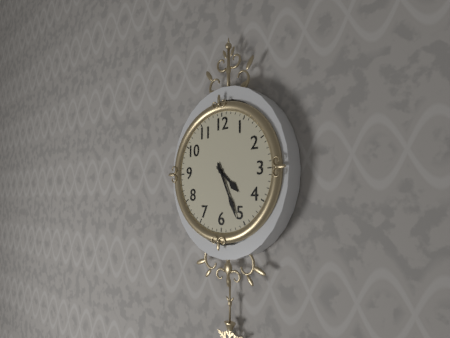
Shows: 4:26
